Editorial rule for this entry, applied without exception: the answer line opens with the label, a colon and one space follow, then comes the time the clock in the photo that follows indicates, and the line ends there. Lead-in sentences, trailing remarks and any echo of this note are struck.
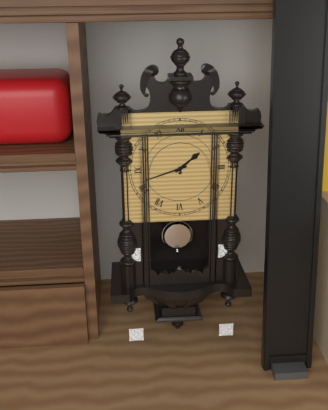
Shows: 1:42
